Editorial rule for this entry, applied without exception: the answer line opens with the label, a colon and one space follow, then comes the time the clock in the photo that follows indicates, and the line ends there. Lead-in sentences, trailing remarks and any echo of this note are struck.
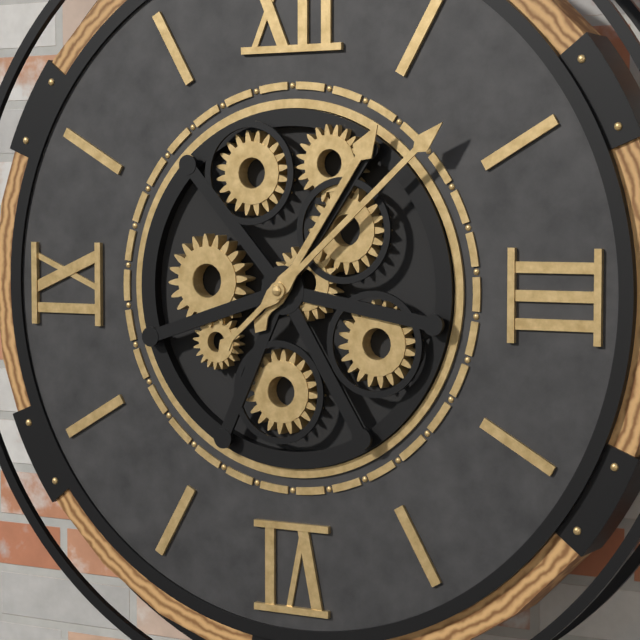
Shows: 1:08
